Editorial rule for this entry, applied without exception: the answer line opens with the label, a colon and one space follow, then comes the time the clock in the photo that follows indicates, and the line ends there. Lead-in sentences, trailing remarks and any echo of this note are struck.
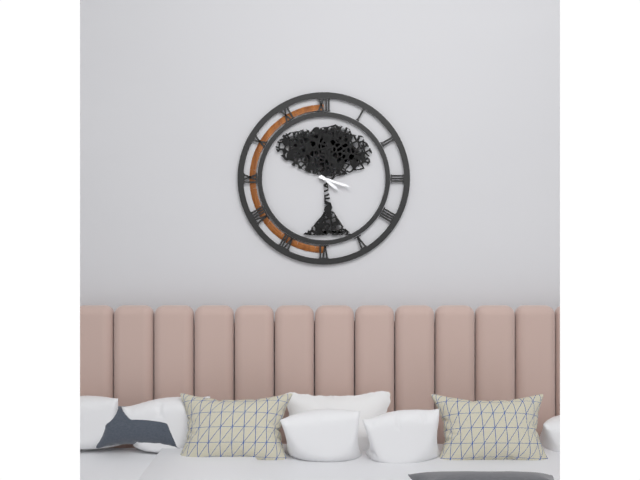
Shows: 4:18
